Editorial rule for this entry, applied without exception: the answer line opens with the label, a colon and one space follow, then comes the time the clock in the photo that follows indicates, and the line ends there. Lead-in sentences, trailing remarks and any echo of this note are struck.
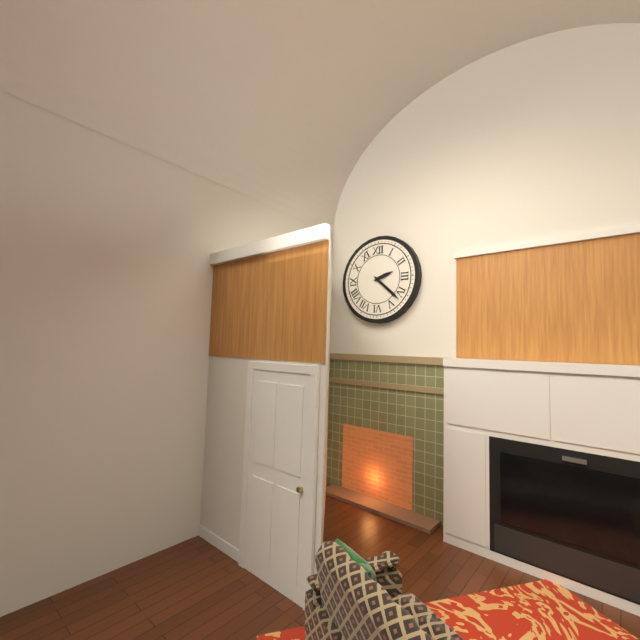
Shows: 2:22
